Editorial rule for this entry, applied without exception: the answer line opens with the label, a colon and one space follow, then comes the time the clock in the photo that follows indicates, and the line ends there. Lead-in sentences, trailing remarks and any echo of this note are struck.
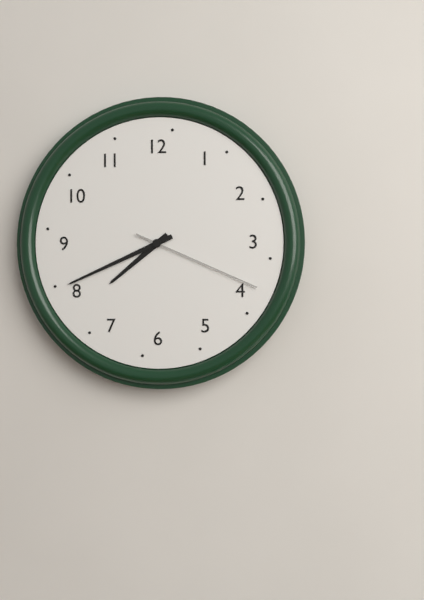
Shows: 7:41:19
